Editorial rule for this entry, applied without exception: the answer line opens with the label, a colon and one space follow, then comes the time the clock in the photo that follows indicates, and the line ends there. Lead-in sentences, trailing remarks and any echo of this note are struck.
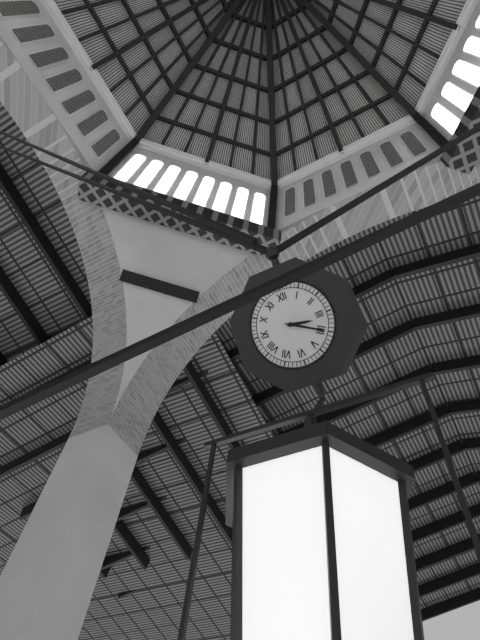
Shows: 3:20
